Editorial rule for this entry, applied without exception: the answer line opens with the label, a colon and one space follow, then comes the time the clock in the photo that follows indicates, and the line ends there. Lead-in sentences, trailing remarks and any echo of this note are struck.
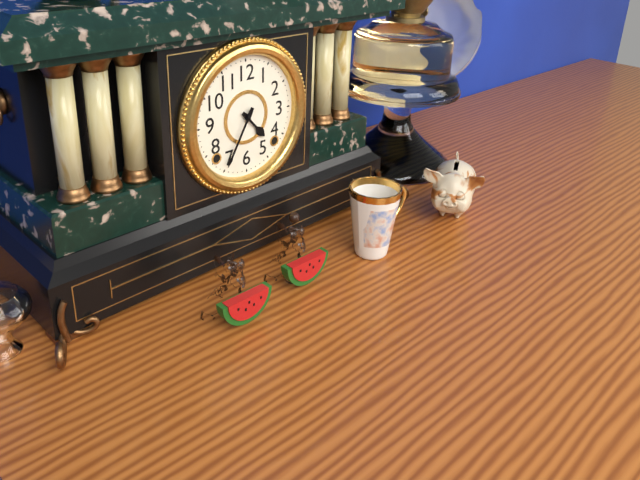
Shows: 4:35
